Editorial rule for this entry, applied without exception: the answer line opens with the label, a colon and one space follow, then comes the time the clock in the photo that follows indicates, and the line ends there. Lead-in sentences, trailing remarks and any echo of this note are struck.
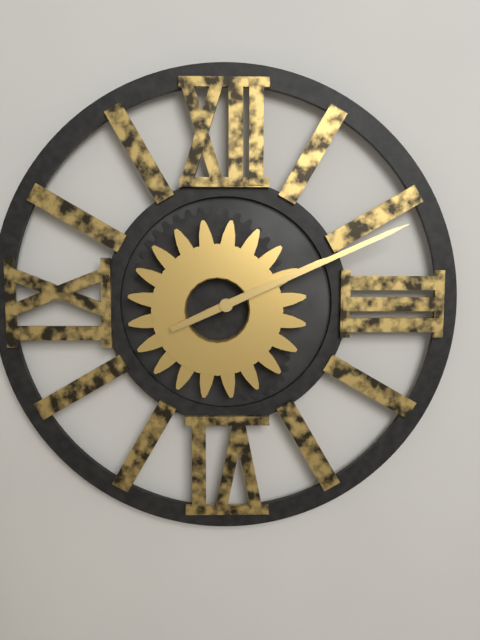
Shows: 2:11
